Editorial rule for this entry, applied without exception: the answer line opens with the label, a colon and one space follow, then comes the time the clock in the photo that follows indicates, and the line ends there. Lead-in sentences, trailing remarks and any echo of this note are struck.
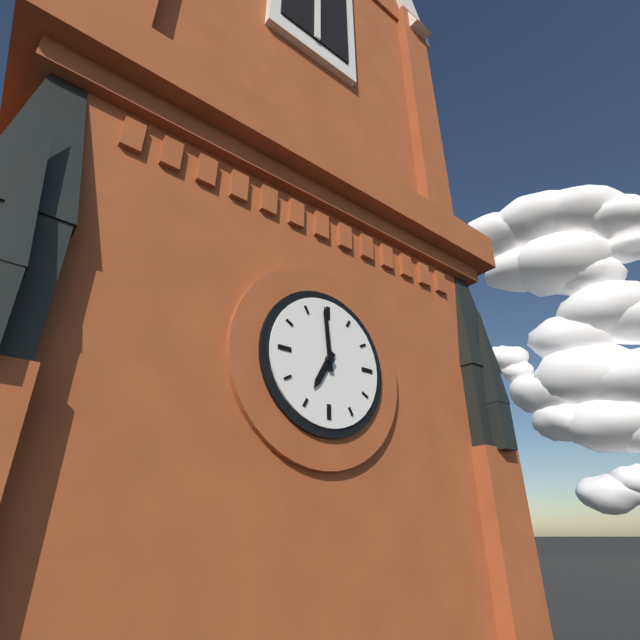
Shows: 6:59
